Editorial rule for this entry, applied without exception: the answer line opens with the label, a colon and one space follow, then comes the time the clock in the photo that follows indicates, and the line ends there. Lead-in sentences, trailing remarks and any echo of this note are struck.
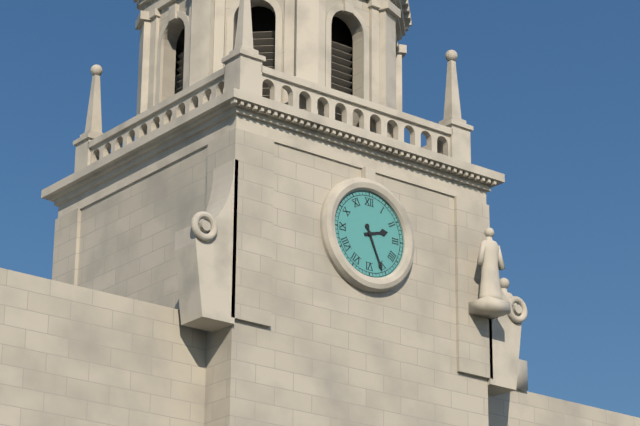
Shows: 2:26
